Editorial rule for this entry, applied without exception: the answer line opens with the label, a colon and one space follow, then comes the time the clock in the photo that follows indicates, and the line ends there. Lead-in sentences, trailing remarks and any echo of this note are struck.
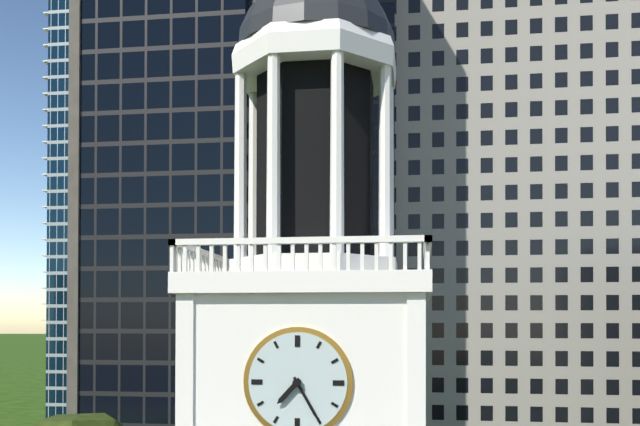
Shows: 7:25
